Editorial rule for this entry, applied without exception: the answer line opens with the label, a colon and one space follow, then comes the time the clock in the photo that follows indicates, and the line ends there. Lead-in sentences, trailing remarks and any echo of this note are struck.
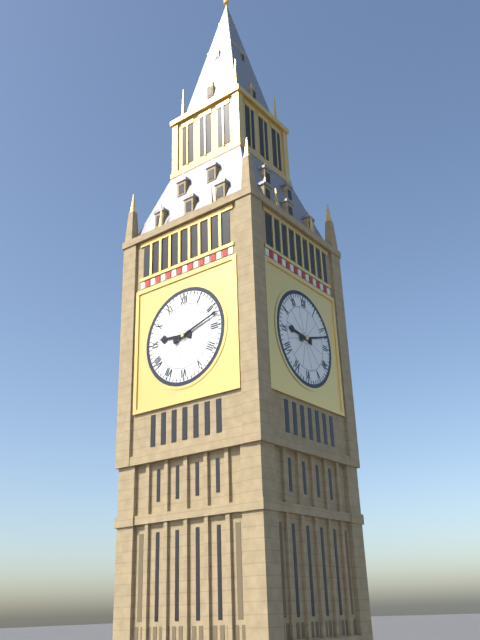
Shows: 9:12
